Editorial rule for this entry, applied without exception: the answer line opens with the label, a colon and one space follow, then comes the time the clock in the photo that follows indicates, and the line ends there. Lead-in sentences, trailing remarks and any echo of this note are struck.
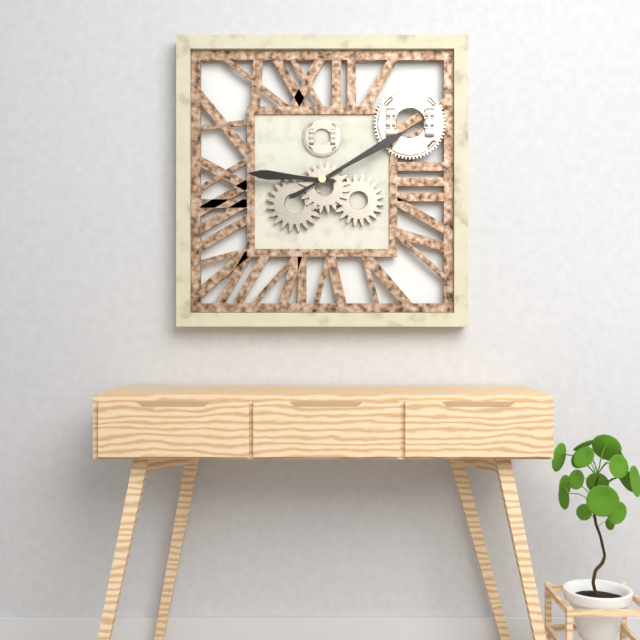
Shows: 9:10
